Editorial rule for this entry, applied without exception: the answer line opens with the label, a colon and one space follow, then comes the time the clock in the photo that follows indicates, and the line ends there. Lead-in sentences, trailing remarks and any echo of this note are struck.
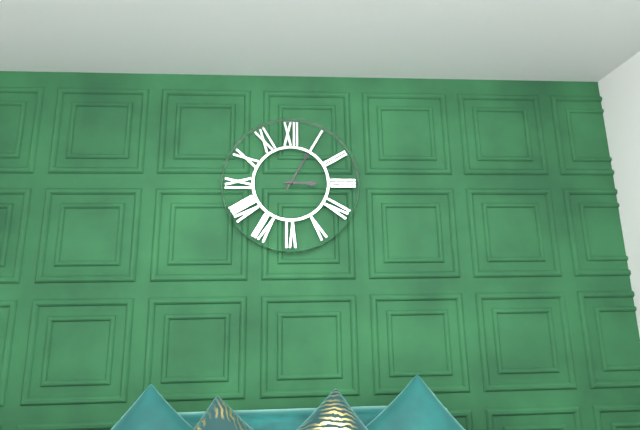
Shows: 3:05
